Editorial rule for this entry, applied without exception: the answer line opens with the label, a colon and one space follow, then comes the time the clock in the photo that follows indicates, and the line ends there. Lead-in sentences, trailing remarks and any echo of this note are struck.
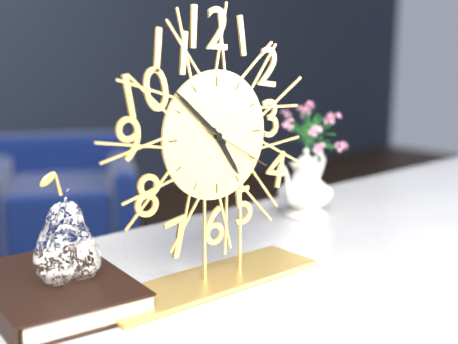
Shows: 4:52:20
